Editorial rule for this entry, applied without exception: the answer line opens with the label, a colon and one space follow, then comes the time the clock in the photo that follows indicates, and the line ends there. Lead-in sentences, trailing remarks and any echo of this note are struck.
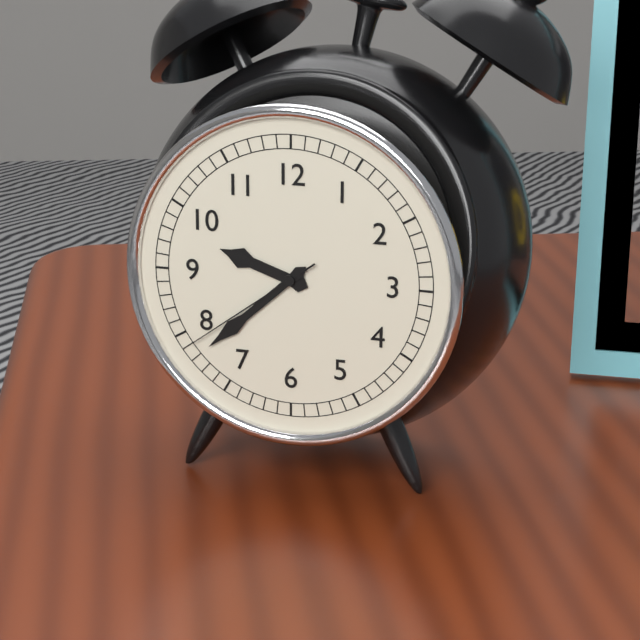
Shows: 9:38:39
